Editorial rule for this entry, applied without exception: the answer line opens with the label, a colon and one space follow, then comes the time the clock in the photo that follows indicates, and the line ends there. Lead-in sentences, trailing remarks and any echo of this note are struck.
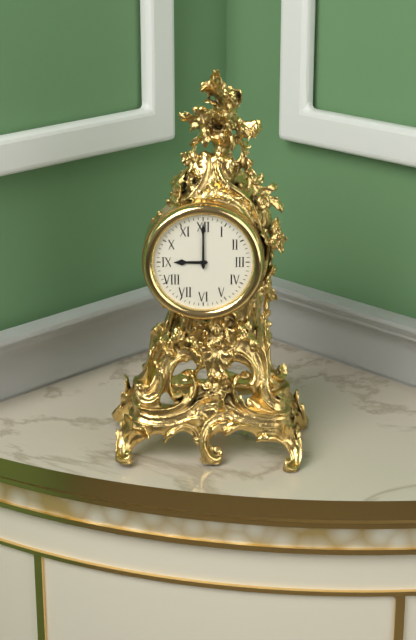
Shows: 9:00
